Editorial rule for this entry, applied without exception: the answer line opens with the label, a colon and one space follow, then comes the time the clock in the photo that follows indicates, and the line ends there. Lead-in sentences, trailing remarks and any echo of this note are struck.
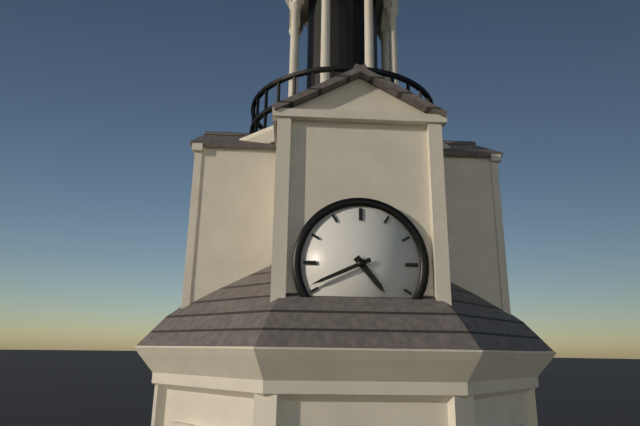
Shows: 4:41
